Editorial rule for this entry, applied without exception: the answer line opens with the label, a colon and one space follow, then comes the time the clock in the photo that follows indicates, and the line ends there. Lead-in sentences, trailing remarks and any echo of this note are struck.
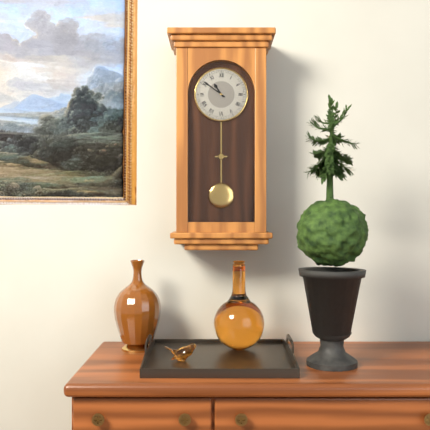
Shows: 10:51
